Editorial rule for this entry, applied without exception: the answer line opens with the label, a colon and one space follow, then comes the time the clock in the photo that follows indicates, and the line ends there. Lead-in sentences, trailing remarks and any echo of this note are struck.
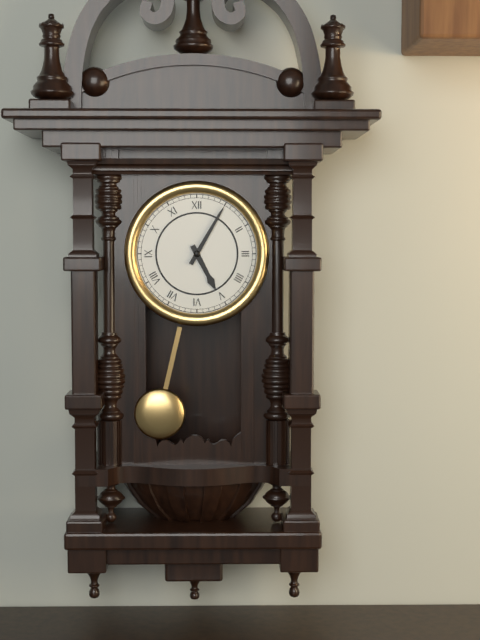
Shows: 5:05
